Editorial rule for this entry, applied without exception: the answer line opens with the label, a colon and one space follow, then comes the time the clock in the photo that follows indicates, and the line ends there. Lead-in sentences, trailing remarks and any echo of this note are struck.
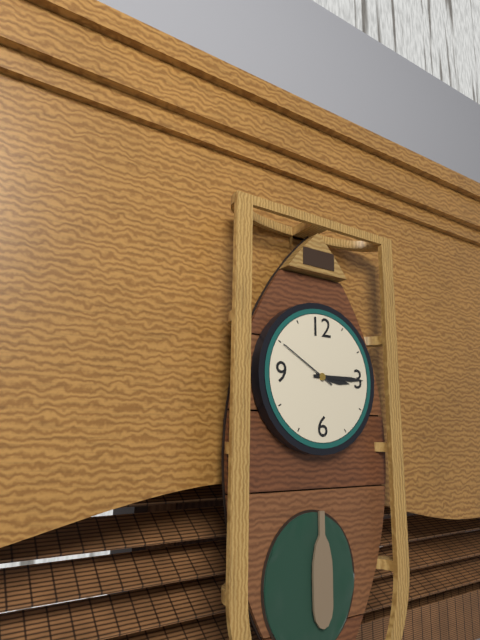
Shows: 3:15:50
